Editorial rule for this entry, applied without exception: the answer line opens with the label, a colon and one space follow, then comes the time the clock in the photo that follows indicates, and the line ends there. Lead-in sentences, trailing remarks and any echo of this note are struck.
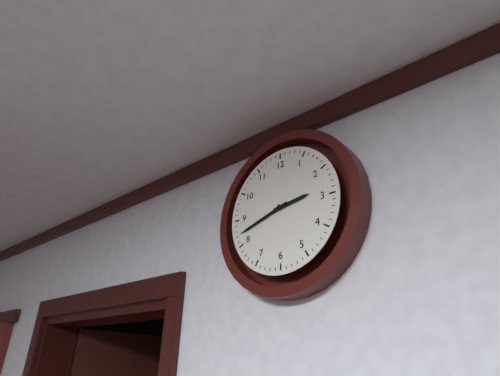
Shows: 2:42
